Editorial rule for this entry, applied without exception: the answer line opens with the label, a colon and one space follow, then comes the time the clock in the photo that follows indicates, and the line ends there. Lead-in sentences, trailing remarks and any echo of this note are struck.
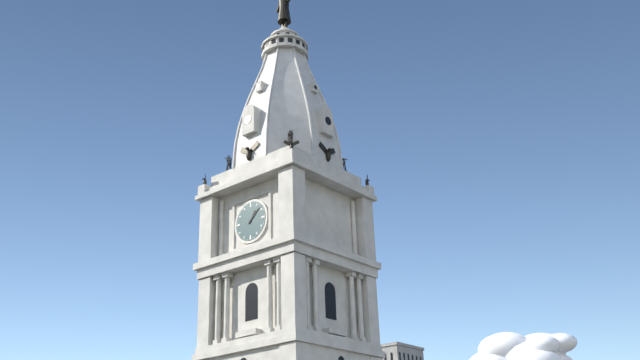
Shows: 1:08
